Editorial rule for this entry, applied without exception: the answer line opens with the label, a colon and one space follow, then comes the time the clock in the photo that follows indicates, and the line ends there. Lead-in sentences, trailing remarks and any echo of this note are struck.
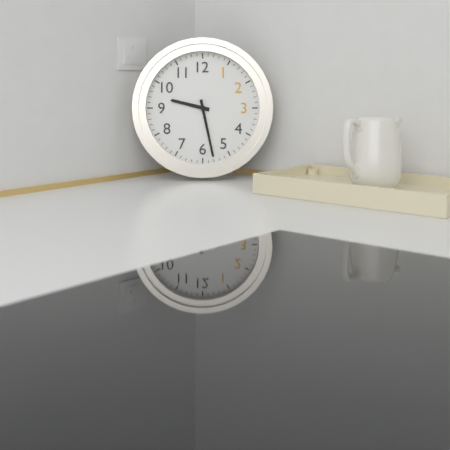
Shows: 9:28
